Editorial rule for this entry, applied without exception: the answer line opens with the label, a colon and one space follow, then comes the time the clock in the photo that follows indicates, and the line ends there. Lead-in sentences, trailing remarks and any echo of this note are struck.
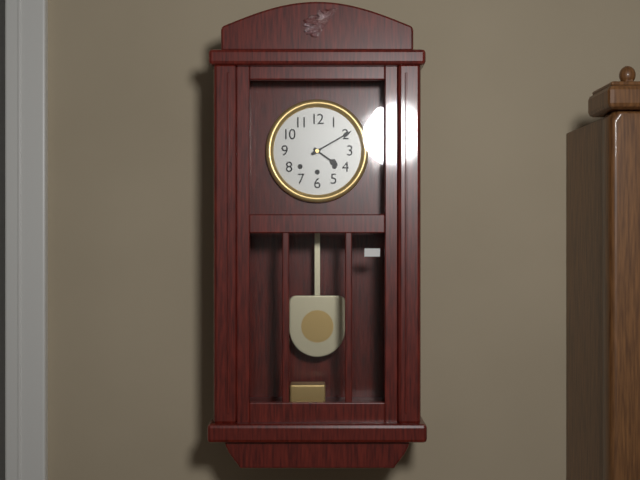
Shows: 4:10
